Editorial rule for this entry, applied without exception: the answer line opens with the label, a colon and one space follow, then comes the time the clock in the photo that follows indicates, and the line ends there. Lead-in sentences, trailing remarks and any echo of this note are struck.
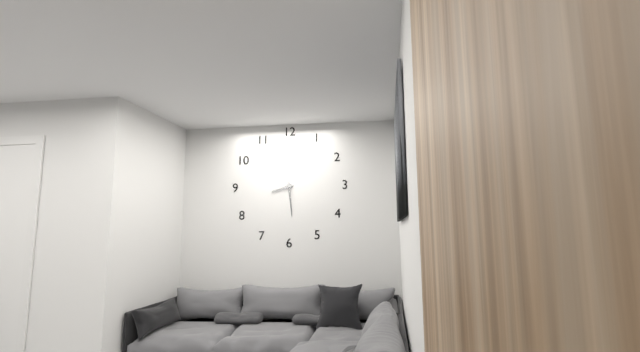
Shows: 8:29
